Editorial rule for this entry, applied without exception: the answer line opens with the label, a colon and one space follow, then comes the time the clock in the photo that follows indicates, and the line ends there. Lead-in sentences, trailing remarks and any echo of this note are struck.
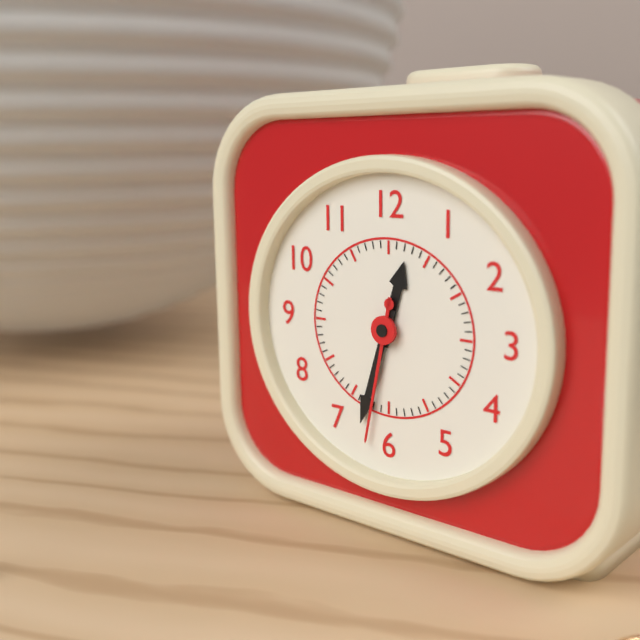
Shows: 12:33:32
